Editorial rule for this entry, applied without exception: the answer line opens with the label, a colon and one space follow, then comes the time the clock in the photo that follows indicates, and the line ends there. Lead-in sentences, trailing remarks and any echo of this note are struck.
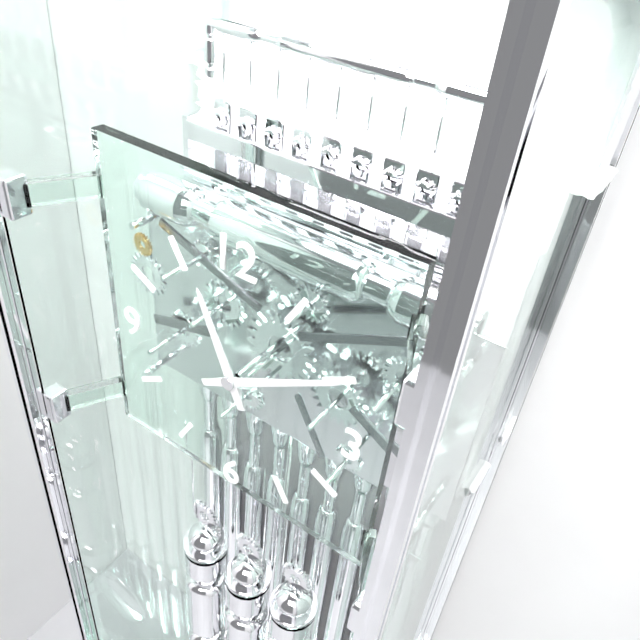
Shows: 11:10
